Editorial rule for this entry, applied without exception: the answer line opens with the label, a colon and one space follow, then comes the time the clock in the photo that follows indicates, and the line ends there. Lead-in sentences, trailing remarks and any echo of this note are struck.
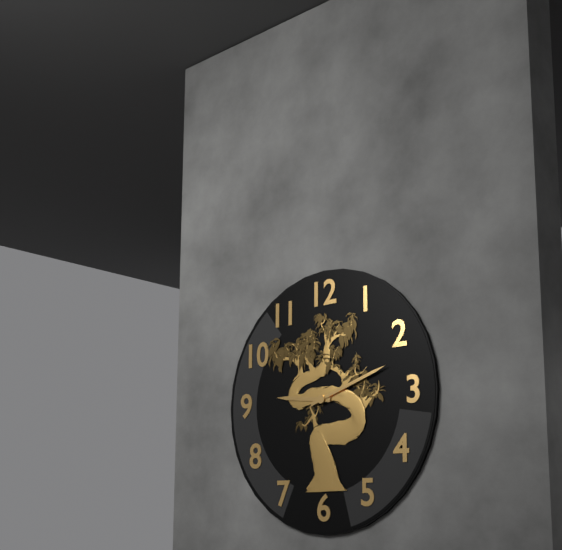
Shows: 9:12
